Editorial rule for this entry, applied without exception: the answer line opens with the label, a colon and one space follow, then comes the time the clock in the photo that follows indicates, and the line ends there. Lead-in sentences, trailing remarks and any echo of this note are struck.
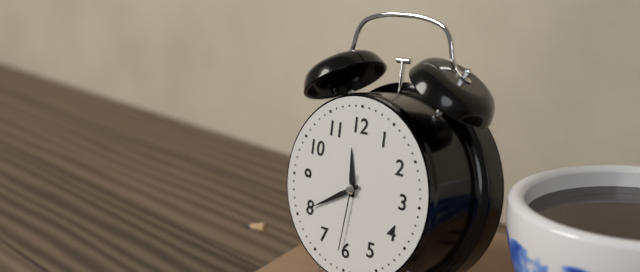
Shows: 11:40:31
